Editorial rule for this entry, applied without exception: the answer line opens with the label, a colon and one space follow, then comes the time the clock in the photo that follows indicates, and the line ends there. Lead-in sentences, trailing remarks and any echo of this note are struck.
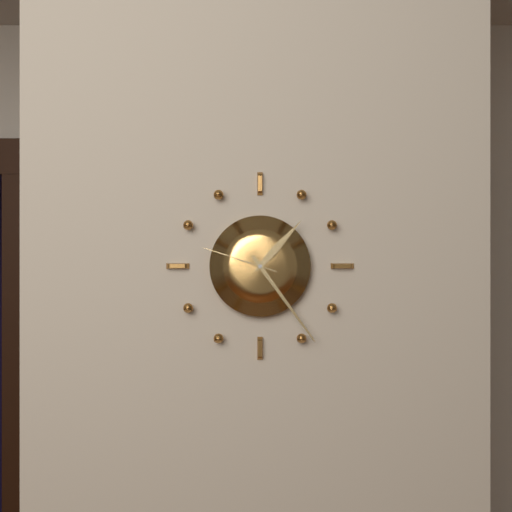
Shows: 1:24:48
